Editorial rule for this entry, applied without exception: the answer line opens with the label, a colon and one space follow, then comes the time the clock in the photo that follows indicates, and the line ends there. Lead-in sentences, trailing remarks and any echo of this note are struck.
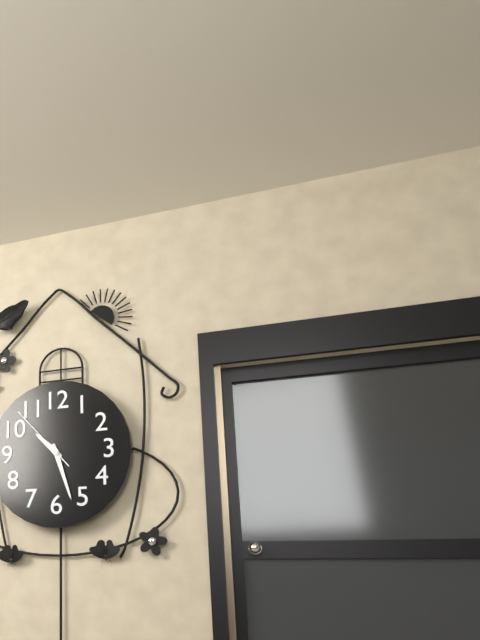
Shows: 10:27:53
